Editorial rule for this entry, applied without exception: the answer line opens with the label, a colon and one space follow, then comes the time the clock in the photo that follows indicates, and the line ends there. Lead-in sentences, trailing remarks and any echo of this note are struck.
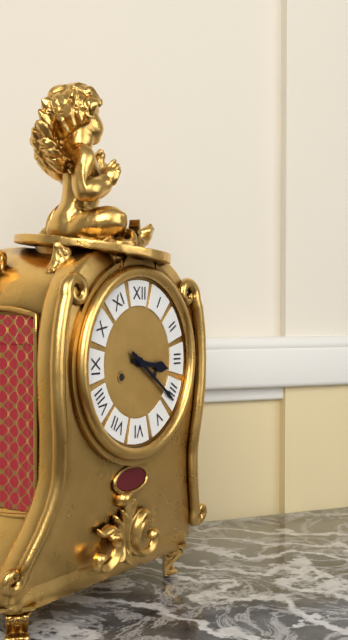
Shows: 3:21
